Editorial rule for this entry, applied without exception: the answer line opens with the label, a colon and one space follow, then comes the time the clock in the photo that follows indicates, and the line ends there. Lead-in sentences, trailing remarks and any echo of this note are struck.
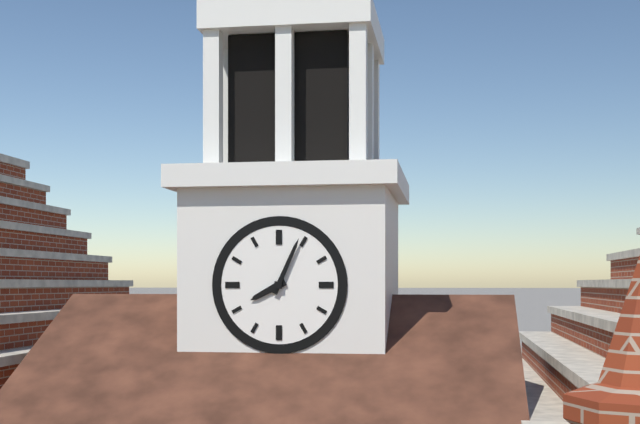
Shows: 8:04
